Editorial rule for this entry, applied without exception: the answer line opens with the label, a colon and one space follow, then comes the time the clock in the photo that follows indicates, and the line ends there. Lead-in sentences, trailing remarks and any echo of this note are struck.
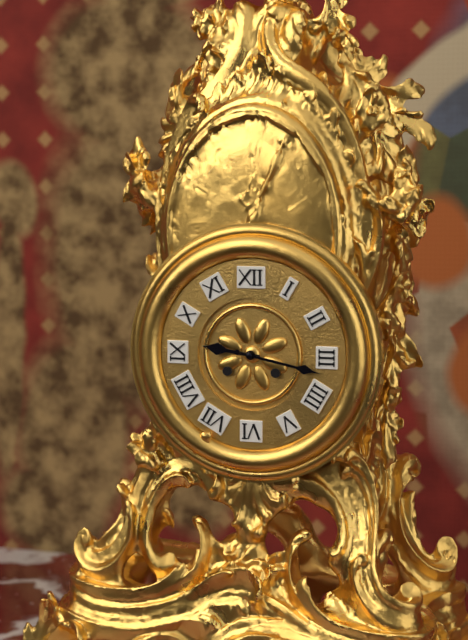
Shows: 9:17
